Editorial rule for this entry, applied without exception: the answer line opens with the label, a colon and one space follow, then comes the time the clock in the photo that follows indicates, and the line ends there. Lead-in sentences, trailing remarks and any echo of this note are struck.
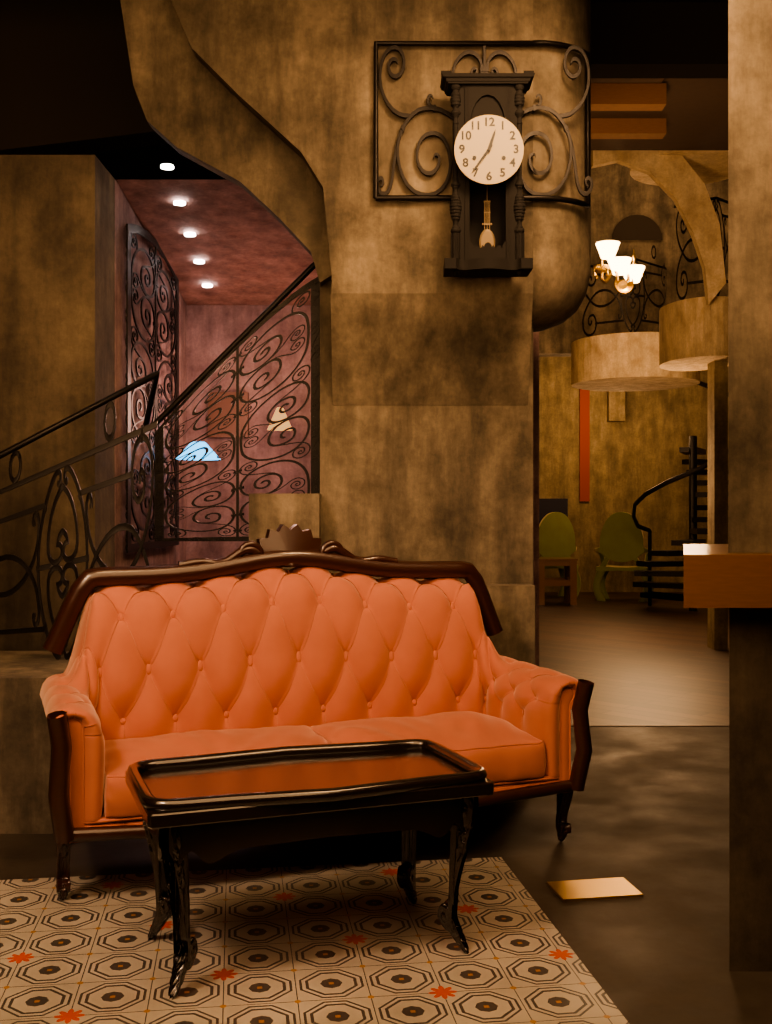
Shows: 12:36
